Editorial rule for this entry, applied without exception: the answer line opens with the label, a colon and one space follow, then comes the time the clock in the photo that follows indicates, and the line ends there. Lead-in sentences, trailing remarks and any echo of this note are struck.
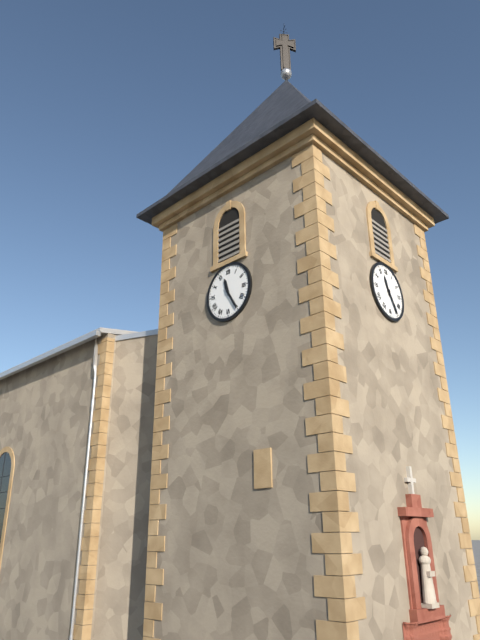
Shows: 11:25
